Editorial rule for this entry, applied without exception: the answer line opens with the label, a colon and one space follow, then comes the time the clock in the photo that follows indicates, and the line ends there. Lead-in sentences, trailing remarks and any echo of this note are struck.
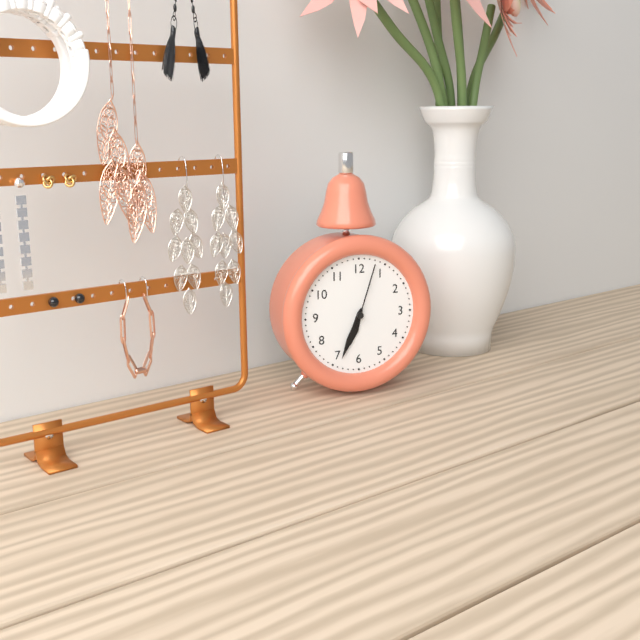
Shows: 6:34:03
